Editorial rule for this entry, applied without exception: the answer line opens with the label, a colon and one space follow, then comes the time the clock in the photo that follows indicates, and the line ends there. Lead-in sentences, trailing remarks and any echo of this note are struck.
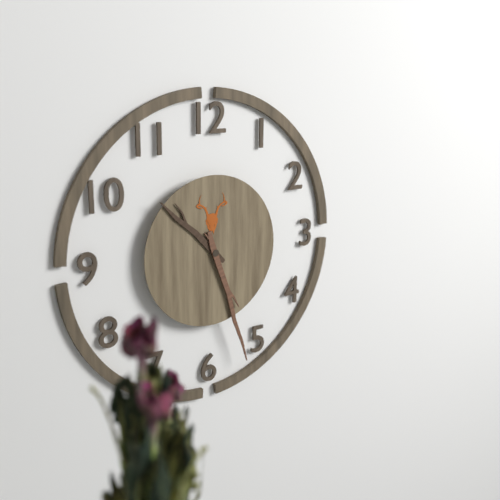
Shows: 10:27
